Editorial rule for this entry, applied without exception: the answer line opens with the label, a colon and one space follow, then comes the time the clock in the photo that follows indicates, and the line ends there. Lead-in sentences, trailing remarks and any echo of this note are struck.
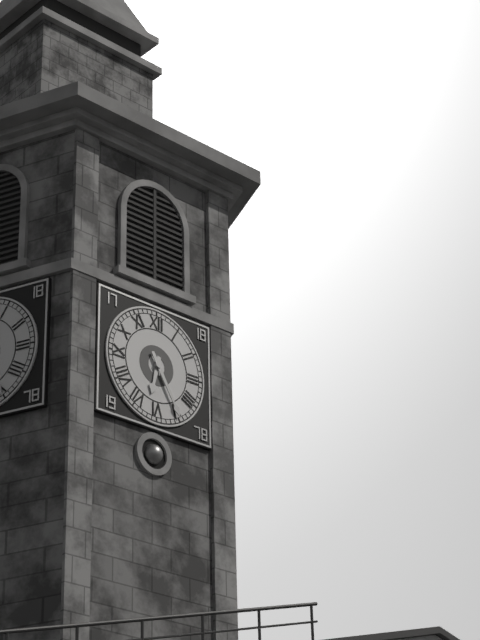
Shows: 6:25
